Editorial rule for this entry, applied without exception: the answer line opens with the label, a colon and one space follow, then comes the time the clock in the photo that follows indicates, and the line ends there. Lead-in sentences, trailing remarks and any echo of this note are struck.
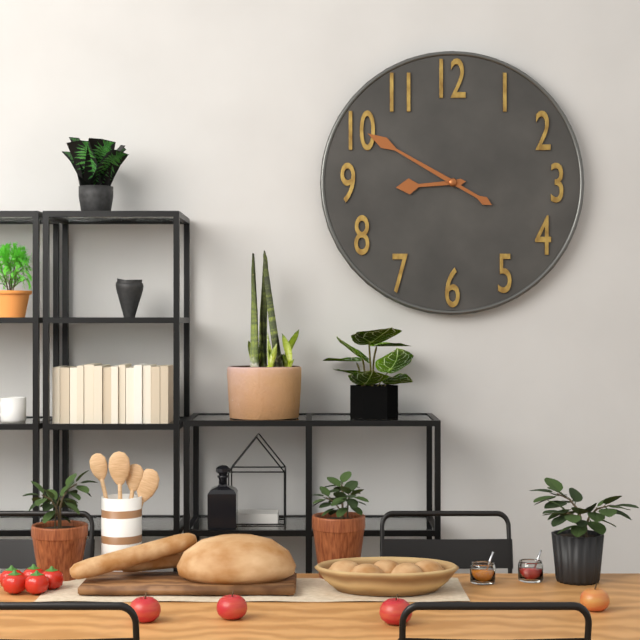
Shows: 8:50
